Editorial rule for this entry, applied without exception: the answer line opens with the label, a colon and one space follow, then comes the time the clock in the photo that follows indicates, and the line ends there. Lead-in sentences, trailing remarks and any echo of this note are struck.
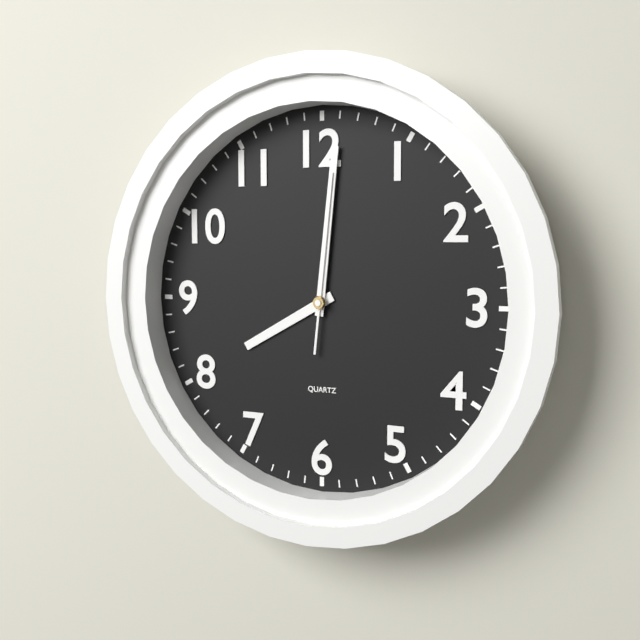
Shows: 8:01:01
